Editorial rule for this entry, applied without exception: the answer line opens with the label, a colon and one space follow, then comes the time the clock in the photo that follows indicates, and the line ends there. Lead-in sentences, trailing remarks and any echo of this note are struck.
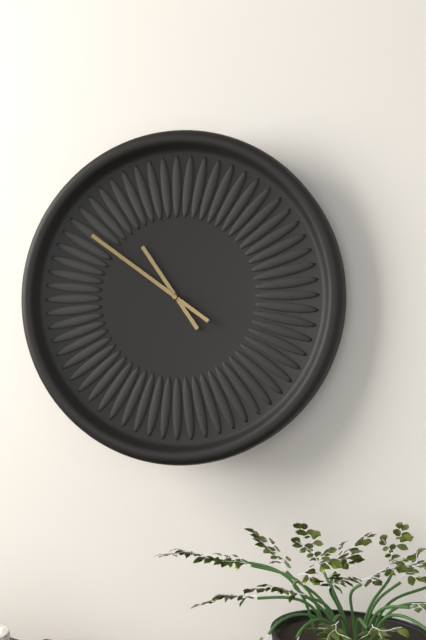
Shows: 10:51
